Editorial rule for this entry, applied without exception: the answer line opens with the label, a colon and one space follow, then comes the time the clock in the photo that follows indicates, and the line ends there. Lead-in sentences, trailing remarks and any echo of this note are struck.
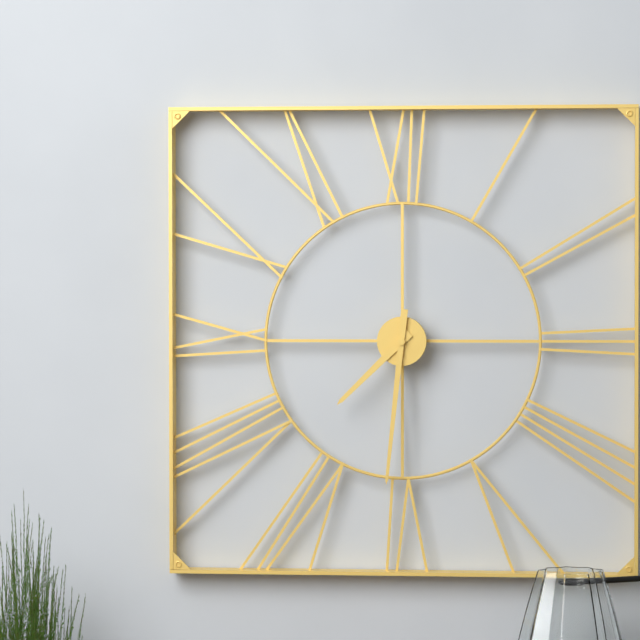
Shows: 7:31
